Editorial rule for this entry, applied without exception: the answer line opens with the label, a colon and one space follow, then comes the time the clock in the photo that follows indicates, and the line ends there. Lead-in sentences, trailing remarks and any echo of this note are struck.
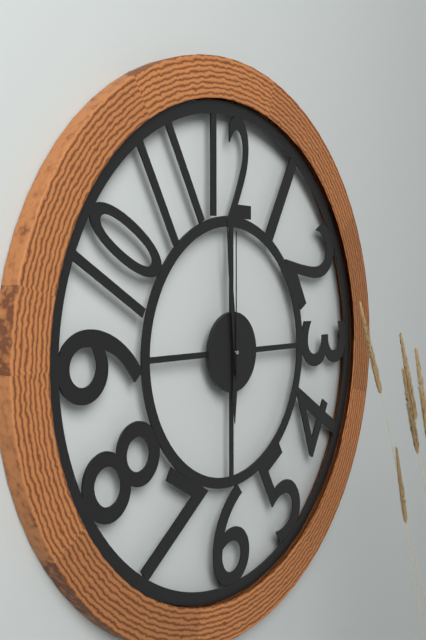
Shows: 5:59:00
